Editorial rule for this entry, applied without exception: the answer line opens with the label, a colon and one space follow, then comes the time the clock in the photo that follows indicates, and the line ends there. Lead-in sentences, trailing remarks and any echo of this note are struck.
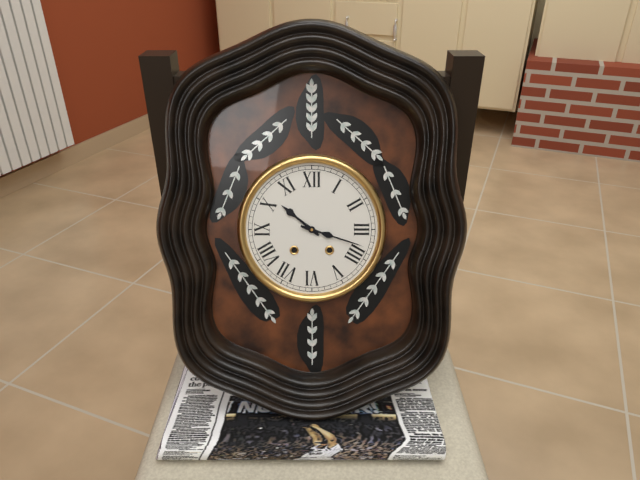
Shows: 10:18
